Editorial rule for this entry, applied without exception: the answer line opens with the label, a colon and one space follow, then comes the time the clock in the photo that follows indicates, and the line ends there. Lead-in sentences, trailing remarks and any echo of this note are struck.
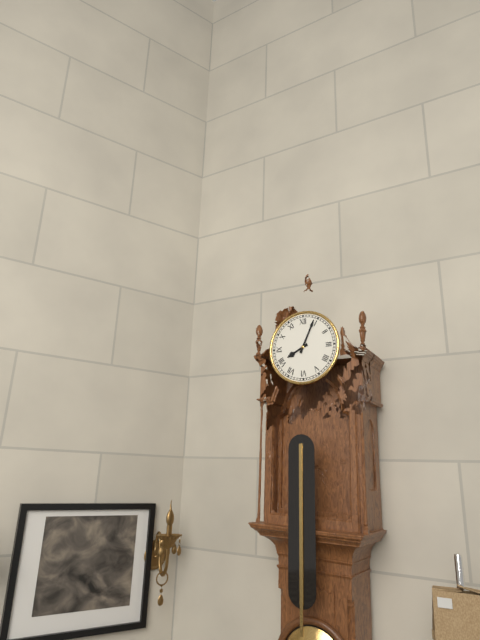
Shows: 8:04
